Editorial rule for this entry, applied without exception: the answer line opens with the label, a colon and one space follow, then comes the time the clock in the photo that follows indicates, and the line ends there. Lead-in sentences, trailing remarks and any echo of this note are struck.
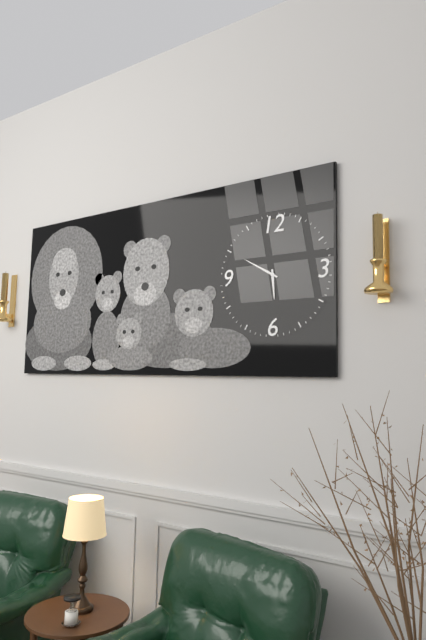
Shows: 5:50
